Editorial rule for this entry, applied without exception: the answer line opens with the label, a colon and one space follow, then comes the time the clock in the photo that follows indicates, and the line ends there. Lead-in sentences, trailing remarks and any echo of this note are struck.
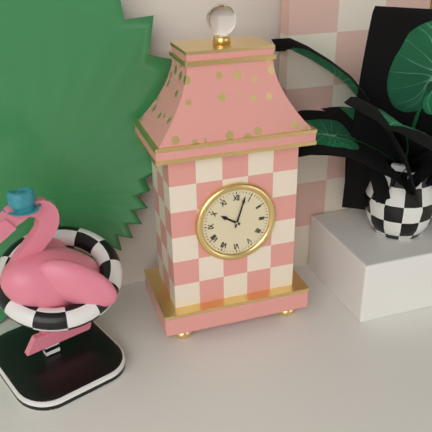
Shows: 10:03
